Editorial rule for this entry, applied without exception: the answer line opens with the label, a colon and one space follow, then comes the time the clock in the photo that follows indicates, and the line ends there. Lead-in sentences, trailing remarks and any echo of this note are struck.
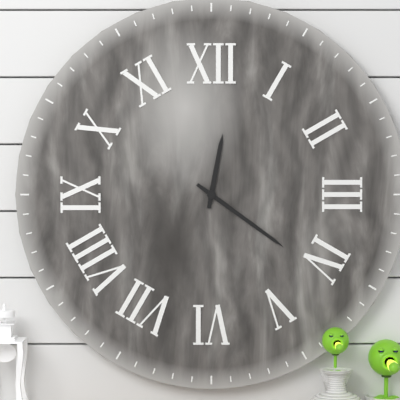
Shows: 12:21
